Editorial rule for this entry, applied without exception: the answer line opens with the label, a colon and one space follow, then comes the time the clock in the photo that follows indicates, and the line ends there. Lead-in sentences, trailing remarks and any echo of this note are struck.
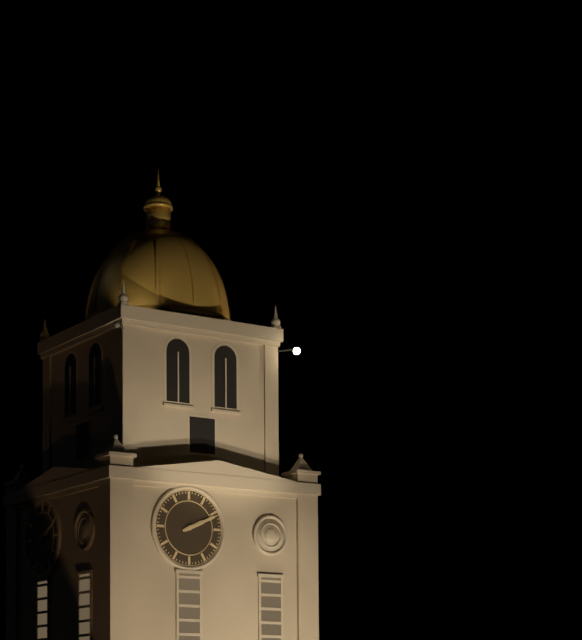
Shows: 2:11
